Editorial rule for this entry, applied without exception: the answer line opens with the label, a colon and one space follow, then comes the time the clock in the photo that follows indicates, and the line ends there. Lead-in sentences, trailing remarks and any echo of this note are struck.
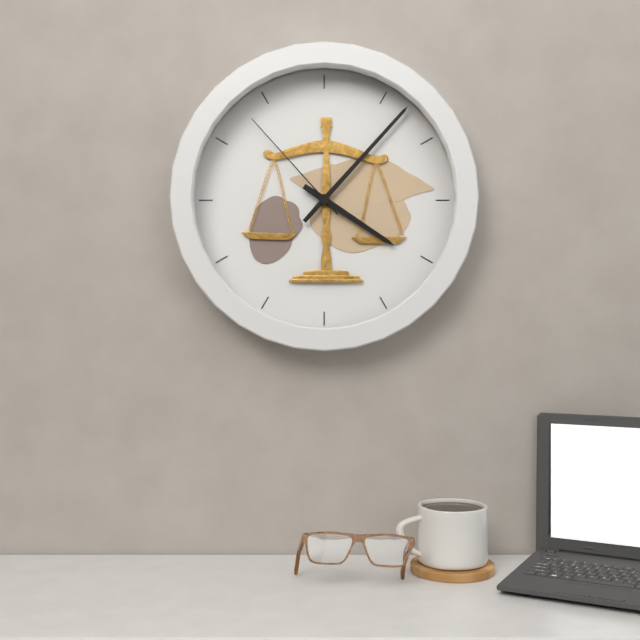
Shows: 4:07:53
